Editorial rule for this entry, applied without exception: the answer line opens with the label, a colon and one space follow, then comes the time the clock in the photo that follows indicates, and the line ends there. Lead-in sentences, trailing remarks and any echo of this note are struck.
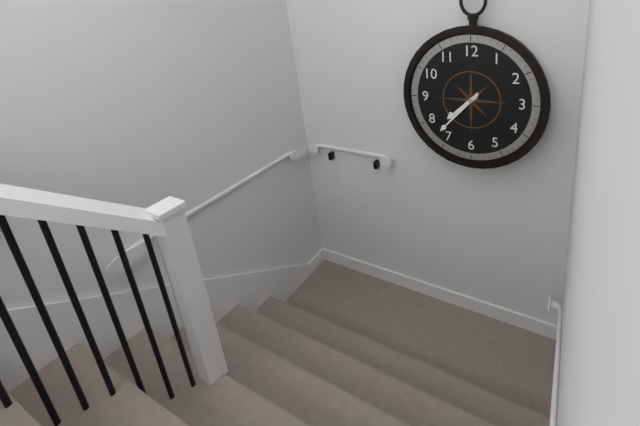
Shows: 7:37
